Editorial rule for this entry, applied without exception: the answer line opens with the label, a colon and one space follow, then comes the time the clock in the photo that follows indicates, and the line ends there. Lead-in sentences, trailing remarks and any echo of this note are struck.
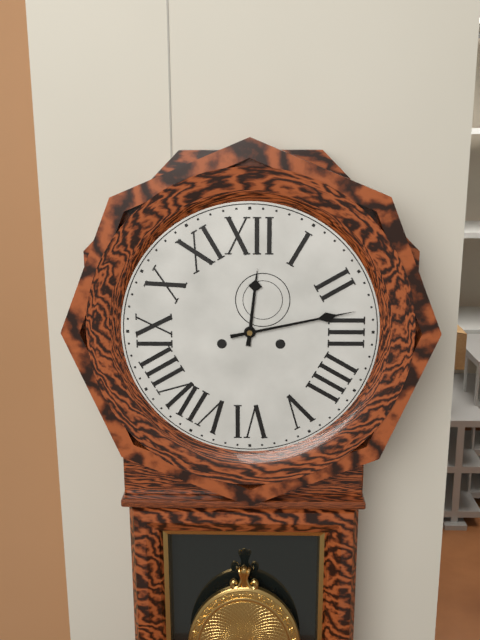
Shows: 12:13
